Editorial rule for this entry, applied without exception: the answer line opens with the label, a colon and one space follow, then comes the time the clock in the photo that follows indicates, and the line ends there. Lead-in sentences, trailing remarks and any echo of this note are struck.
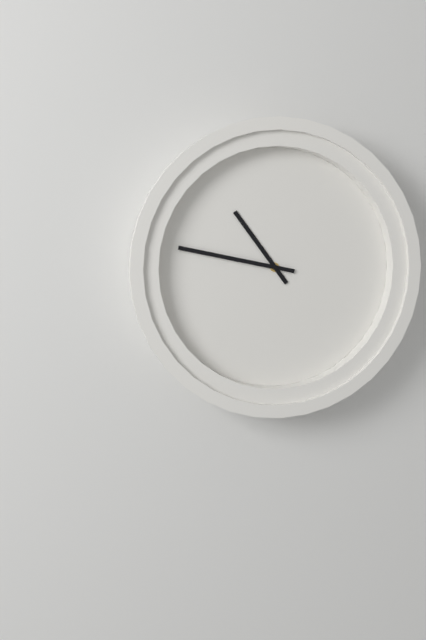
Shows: 10:47
